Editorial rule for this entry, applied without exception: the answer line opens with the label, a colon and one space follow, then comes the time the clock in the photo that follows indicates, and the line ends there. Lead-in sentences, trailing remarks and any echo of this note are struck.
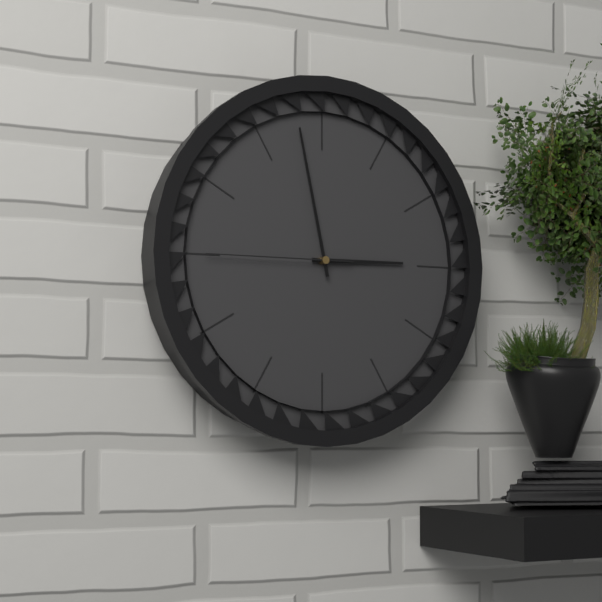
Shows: 2:58:45
